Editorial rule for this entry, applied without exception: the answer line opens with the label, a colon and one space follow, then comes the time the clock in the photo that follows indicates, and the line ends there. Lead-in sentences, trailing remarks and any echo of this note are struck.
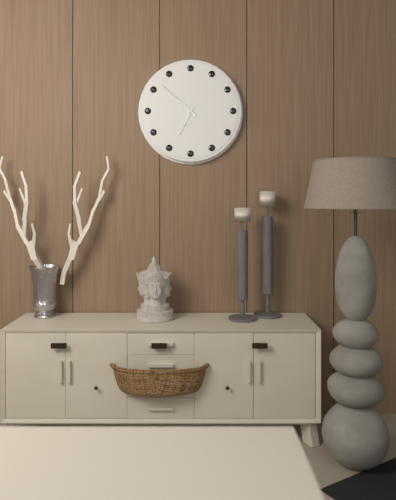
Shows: 6:52
